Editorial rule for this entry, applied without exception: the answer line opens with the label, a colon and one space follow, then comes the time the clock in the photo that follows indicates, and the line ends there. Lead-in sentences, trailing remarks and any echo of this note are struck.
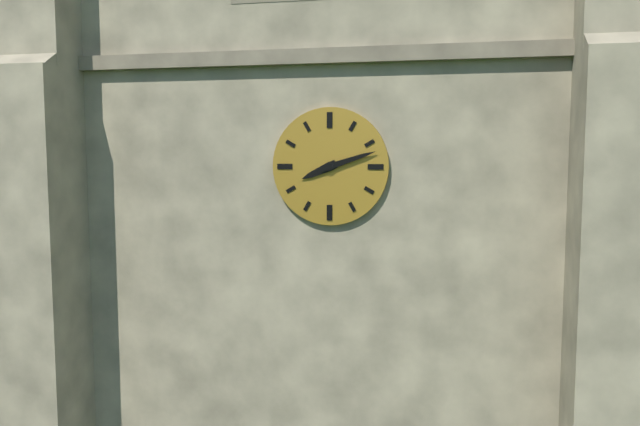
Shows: 8:12
